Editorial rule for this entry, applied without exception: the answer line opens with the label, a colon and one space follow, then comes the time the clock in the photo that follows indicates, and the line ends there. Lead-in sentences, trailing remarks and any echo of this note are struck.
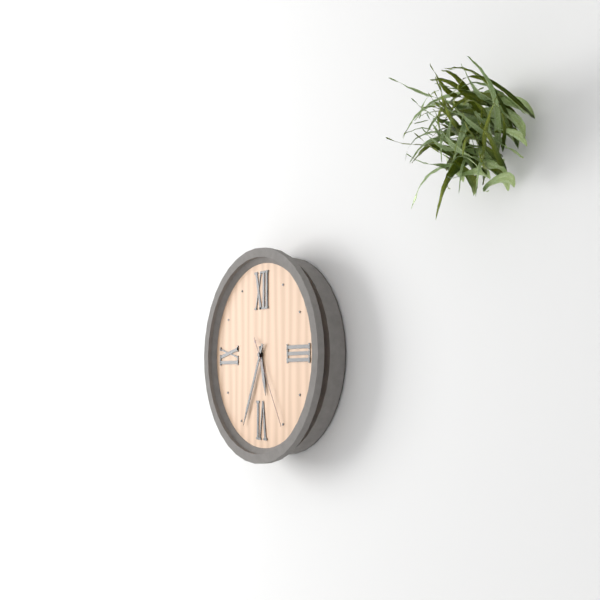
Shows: 5:34:25
